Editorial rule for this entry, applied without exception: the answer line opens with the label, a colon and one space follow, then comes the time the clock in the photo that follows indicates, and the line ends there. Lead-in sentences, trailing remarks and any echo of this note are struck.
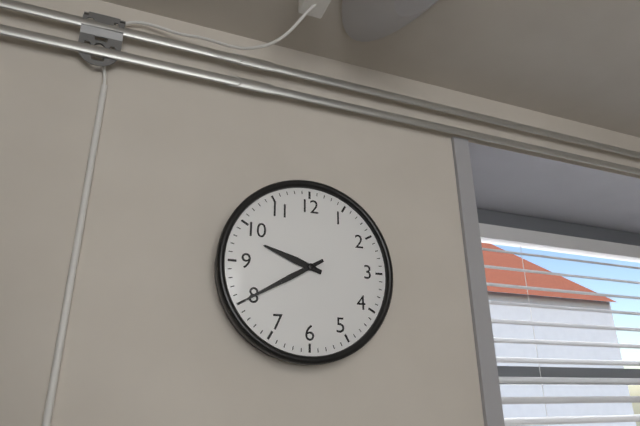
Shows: 9:40
